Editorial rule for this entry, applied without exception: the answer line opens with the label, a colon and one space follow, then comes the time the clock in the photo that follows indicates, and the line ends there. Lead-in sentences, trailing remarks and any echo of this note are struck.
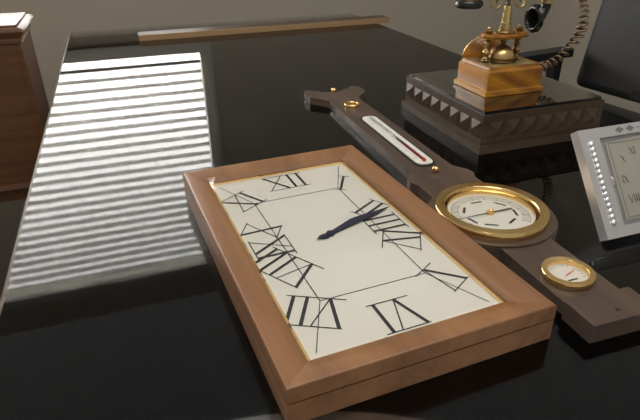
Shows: 2:12
